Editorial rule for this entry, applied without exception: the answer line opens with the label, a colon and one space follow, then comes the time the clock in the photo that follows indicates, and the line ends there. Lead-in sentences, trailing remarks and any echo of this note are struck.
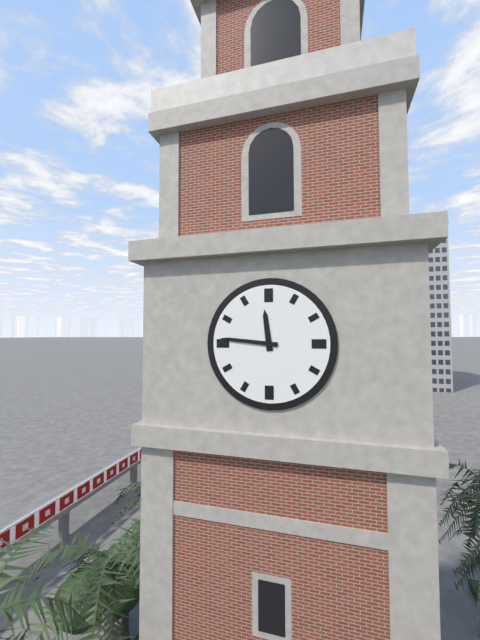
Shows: 11:46
